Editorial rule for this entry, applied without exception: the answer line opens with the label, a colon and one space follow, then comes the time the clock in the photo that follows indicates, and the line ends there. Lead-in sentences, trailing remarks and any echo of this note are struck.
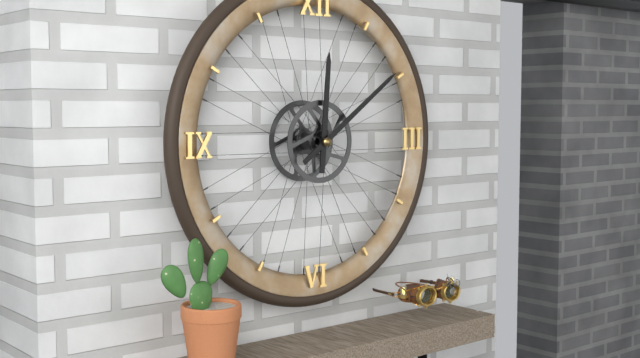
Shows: 12:09
